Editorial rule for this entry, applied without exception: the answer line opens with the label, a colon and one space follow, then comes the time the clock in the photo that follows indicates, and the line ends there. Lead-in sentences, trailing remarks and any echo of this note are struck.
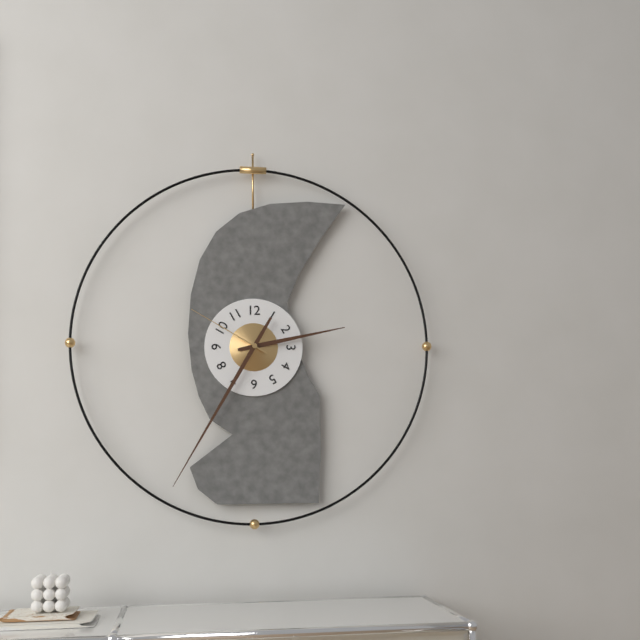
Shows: 2:35:50
